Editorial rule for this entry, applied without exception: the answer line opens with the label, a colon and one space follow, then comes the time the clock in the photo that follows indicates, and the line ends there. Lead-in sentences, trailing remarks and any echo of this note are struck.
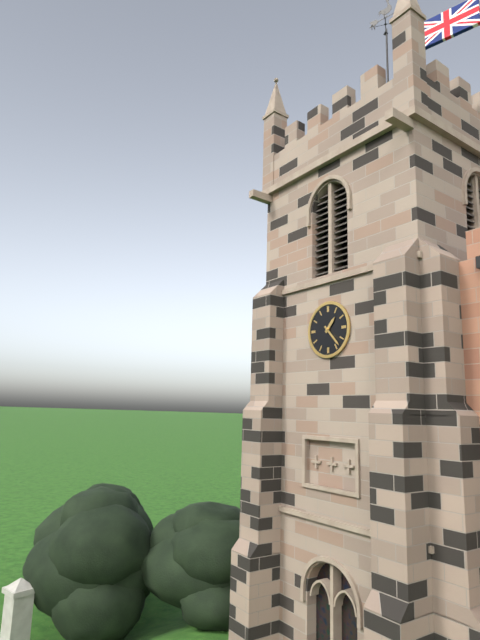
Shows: 1:23
